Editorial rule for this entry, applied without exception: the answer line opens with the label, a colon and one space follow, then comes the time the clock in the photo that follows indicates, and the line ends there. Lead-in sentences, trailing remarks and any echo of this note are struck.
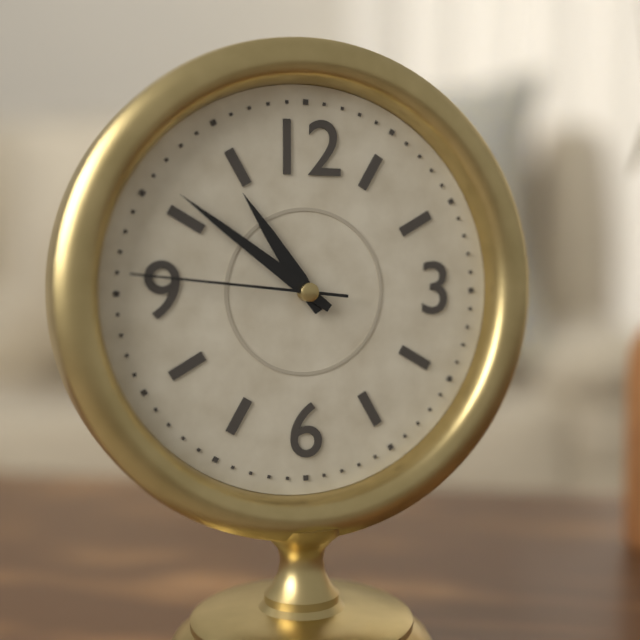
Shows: 10:51:46
